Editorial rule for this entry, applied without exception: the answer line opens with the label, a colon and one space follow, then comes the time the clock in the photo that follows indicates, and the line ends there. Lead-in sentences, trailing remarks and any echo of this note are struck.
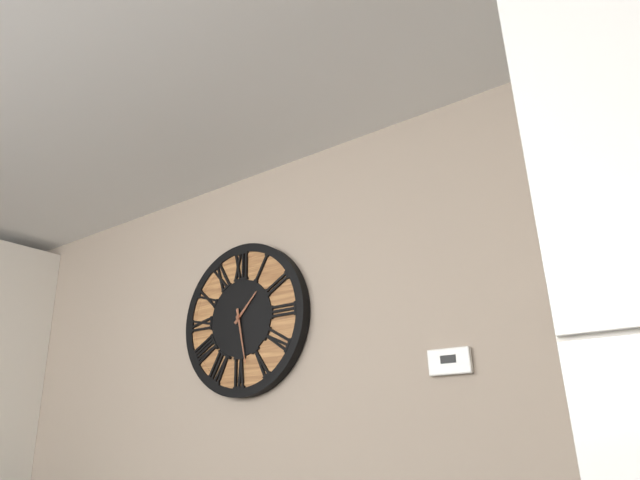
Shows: 1:28
